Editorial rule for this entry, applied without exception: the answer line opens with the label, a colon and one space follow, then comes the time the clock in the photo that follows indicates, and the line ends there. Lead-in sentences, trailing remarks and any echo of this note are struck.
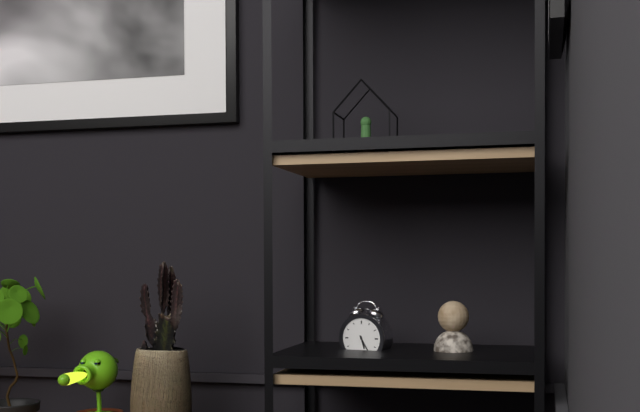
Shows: 5:25
